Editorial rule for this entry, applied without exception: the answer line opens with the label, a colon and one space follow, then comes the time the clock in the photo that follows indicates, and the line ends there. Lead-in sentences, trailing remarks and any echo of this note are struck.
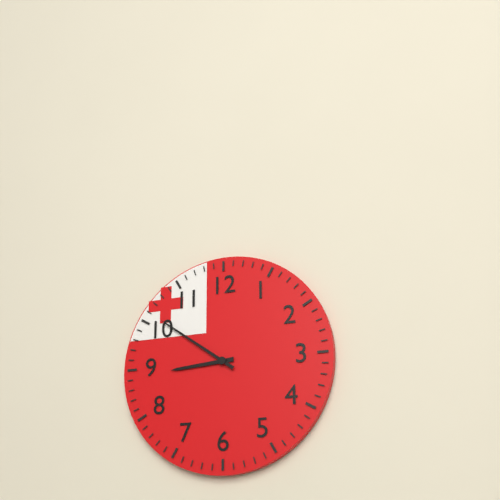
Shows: 8:51
